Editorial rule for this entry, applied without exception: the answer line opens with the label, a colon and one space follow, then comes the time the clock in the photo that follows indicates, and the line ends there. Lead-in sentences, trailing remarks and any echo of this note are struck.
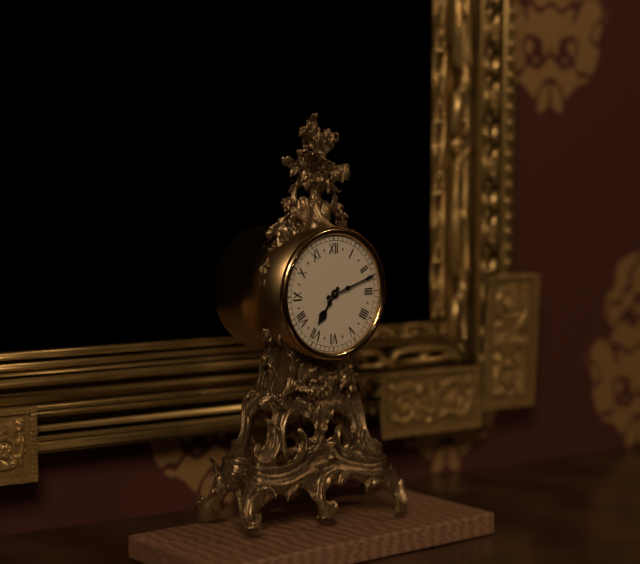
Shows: 7:12
